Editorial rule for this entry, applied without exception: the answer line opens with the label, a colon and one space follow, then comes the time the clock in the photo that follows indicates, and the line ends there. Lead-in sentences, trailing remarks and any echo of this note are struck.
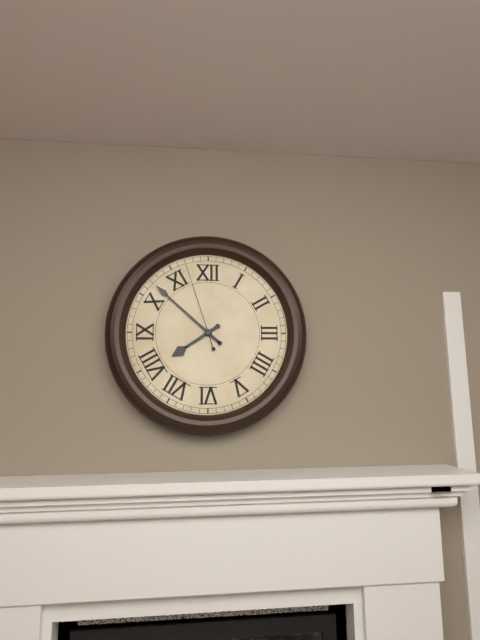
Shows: 7:52:57
